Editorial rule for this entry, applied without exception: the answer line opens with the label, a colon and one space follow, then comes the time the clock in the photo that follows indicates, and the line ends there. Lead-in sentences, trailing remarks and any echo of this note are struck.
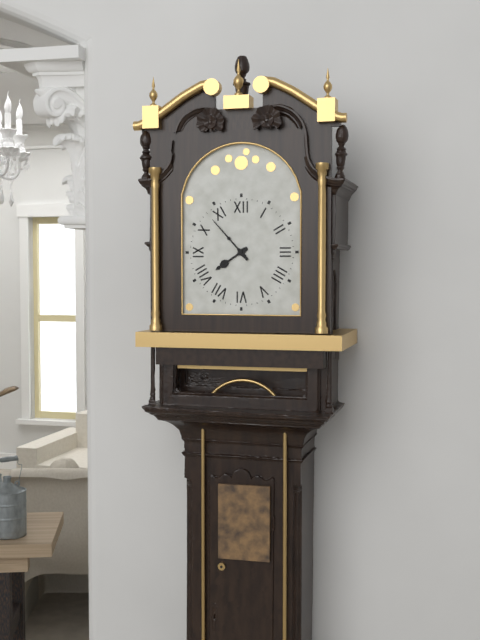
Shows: 7:53
